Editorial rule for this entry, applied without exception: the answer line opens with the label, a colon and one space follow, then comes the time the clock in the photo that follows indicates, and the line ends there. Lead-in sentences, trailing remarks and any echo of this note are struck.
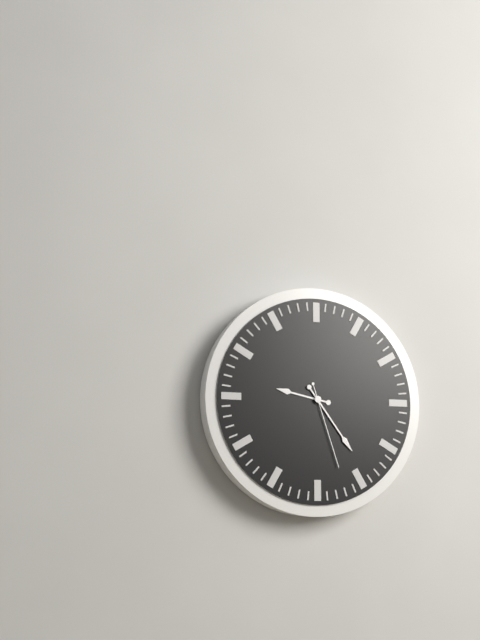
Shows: 9:24:27
